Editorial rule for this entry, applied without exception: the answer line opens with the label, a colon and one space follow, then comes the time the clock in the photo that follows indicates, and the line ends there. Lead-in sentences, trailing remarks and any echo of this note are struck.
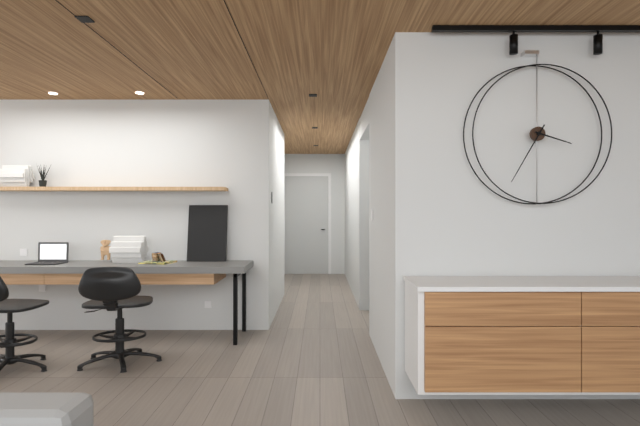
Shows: 3:35
